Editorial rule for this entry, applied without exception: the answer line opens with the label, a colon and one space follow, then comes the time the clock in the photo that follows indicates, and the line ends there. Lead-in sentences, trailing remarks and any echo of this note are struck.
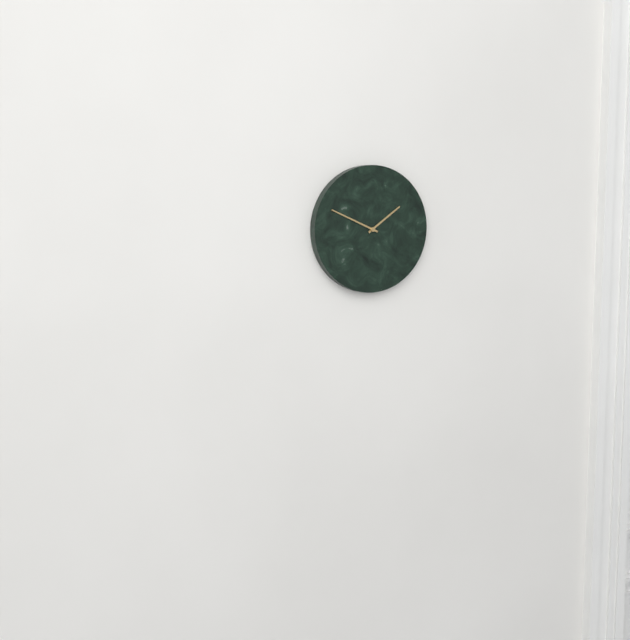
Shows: 1:49
